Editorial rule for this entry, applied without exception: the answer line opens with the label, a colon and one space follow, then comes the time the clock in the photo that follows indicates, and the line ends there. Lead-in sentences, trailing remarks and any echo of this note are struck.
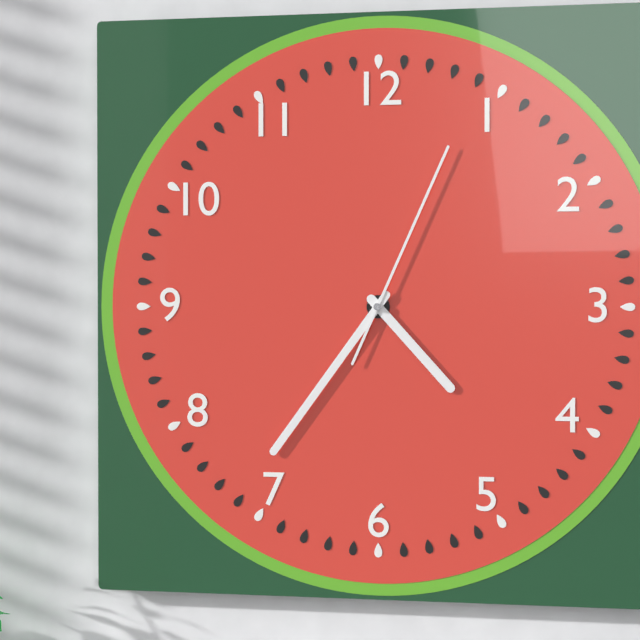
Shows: 4:36:04
